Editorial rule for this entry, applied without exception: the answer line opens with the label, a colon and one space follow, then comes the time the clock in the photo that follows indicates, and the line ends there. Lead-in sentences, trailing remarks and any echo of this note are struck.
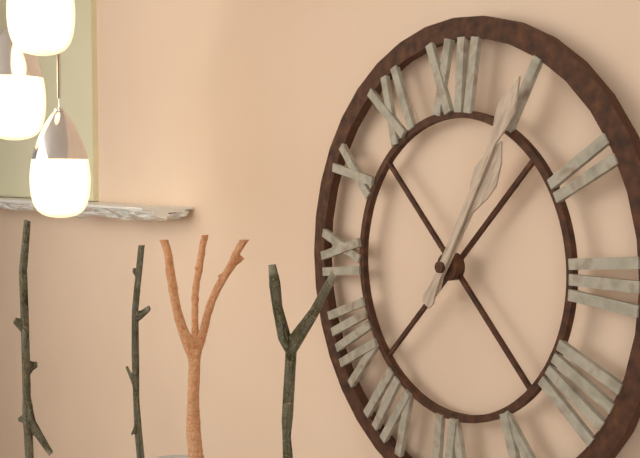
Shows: 1:05
